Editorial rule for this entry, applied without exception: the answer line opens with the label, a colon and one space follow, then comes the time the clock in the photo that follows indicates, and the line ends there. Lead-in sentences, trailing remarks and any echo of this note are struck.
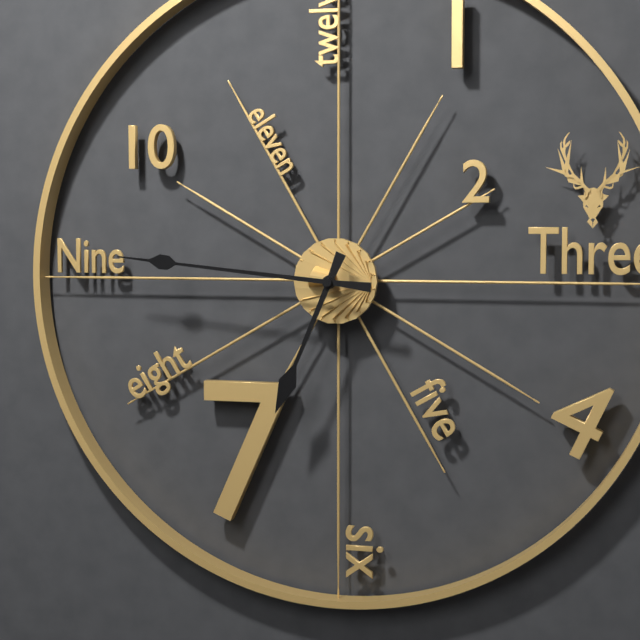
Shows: 6:46
